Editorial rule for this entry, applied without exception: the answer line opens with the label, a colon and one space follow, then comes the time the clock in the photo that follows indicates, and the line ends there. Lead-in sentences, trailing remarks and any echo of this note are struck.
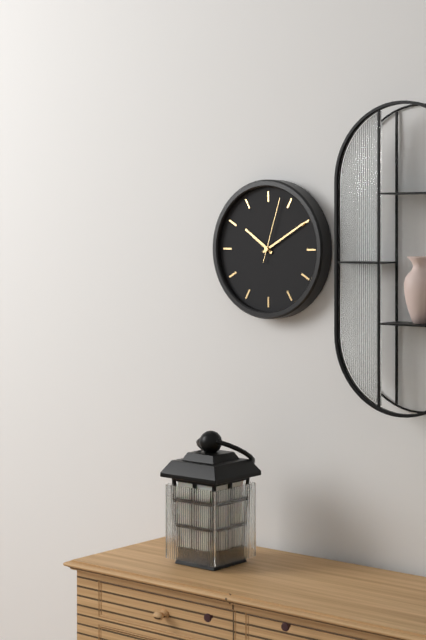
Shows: 10:10:03
